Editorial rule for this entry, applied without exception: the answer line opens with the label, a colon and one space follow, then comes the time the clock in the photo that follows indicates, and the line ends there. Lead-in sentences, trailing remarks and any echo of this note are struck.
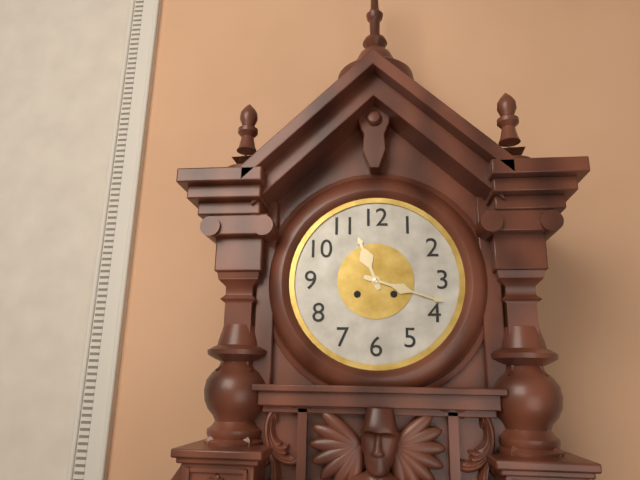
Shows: 11:18
